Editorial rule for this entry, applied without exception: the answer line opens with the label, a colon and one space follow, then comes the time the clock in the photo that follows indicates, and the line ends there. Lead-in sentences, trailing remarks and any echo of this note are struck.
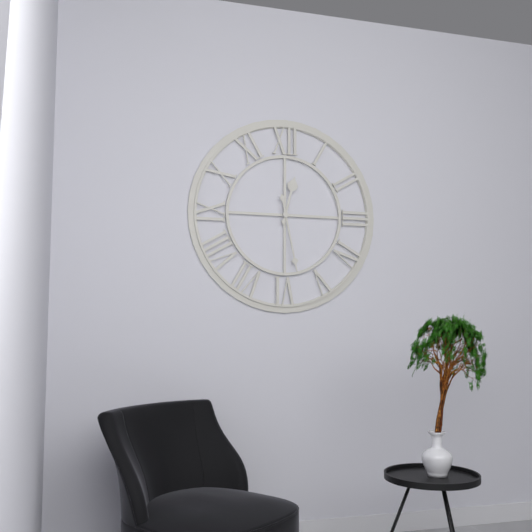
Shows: 12:28
